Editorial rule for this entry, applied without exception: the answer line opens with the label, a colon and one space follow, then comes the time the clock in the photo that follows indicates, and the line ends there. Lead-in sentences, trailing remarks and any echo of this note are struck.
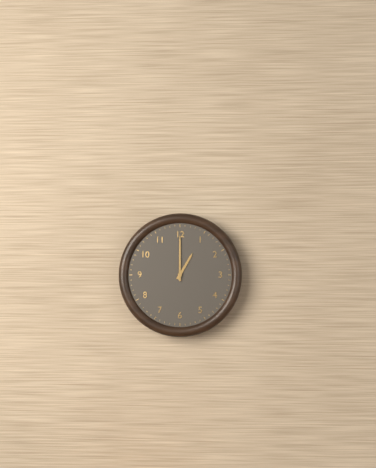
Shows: 1:00
